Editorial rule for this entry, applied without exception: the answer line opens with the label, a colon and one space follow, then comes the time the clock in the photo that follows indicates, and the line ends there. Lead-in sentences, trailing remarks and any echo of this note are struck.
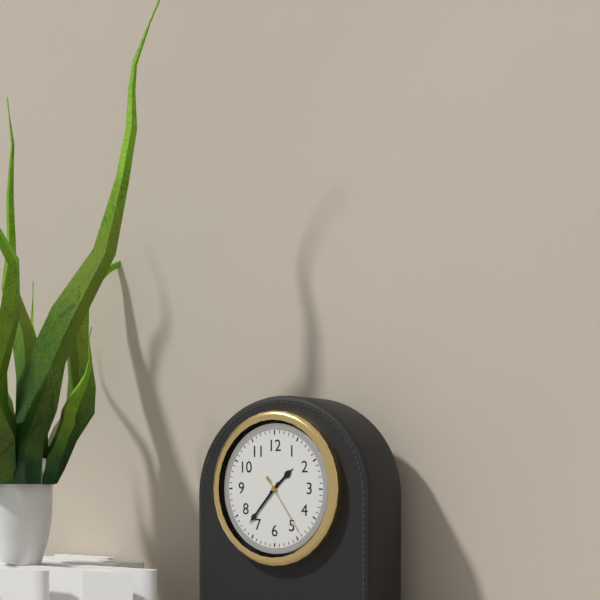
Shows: 1:37:24
